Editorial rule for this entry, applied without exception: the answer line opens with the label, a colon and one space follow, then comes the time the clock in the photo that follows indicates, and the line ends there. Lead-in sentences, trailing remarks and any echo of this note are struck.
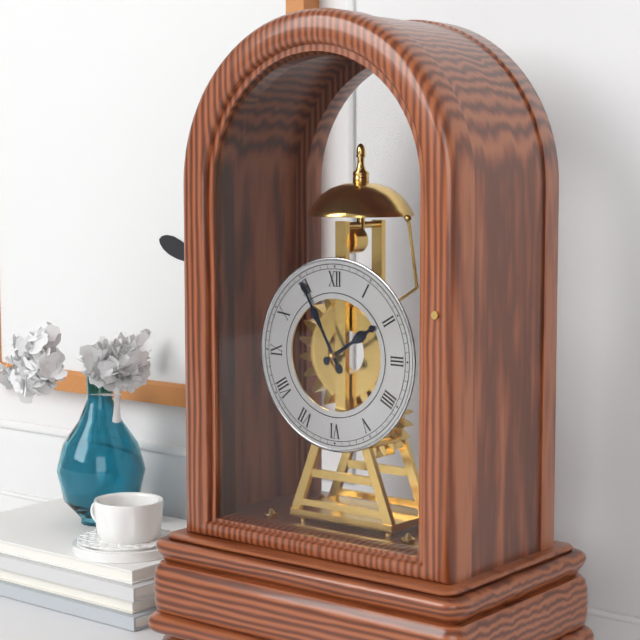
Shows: 1:55
